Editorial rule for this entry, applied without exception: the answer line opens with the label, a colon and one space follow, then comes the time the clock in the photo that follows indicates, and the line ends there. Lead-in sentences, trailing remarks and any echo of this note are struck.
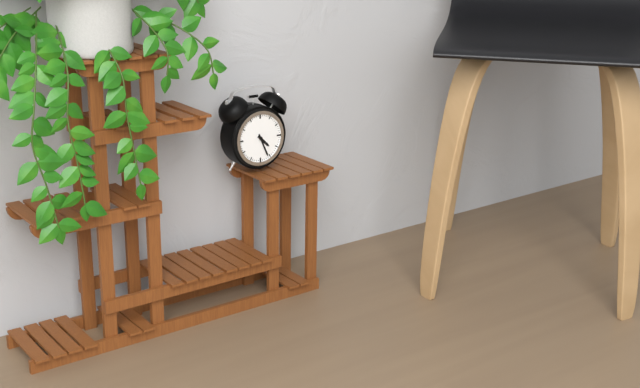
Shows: 4:26
